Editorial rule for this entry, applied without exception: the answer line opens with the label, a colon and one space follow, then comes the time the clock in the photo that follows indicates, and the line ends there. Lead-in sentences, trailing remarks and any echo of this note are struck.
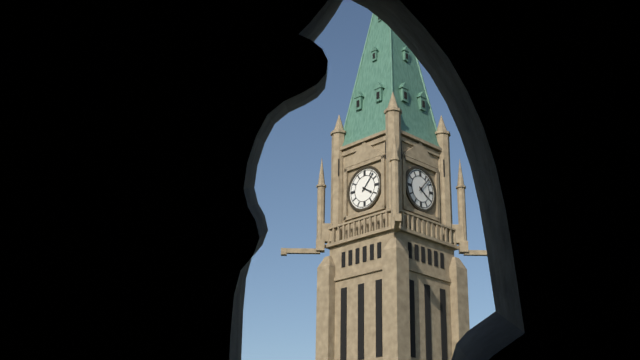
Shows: 4:07
